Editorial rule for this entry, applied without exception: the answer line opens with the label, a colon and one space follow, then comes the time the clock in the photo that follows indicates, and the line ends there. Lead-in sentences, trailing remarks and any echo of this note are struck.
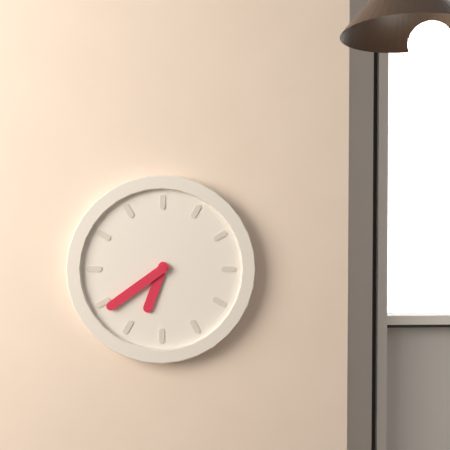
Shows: 6:39
